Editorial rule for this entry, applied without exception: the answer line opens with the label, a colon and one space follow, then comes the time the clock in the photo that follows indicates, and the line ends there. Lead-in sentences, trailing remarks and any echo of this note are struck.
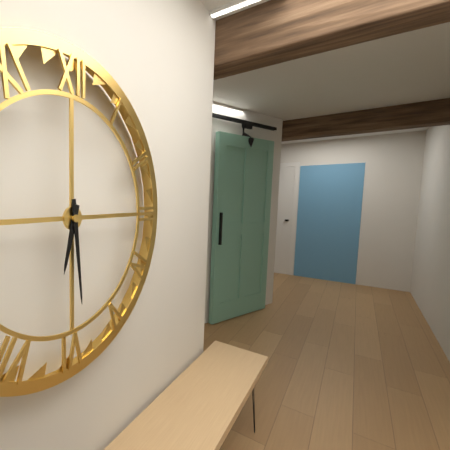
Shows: 6:29
